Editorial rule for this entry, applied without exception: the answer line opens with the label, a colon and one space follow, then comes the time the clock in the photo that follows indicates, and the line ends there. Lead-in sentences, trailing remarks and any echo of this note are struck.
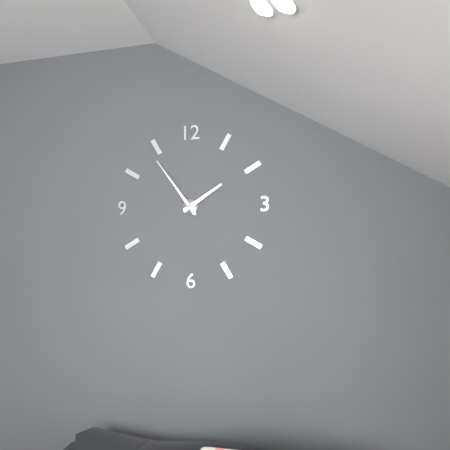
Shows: 1:54
